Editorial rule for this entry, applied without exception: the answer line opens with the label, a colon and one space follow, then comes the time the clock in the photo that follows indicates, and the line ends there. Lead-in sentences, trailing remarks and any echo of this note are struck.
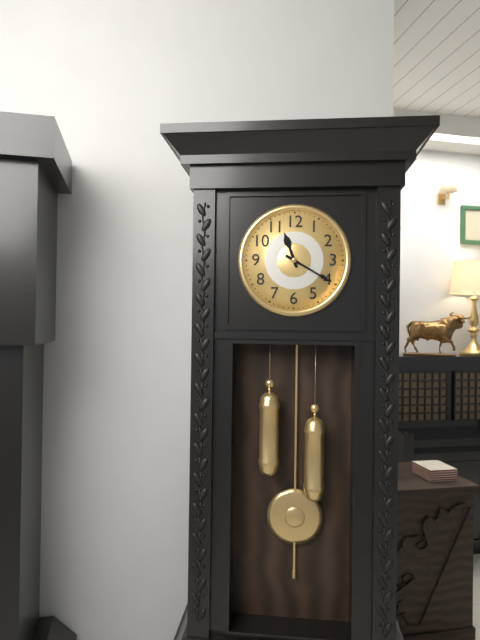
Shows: 11:20
